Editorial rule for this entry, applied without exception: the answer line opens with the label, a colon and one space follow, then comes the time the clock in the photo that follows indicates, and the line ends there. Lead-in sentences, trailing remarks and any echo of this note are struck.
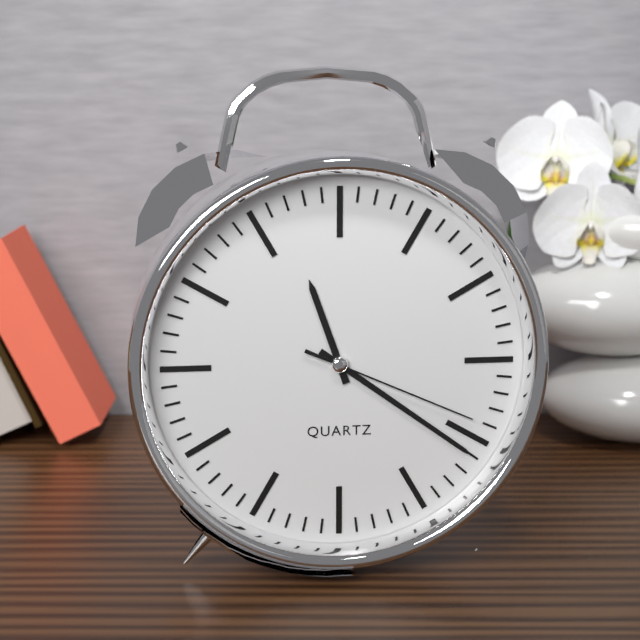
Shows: 11:21:19
